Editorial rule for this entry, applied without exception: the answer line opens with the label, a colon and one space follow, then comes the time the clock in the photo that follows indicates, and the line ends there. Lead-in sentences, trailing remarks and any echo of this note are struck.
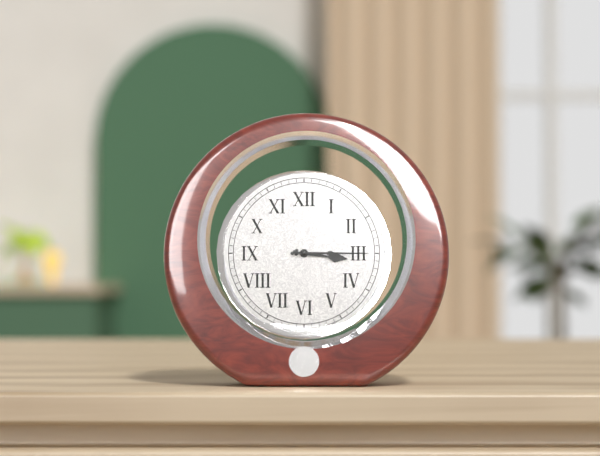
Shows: 3:15
